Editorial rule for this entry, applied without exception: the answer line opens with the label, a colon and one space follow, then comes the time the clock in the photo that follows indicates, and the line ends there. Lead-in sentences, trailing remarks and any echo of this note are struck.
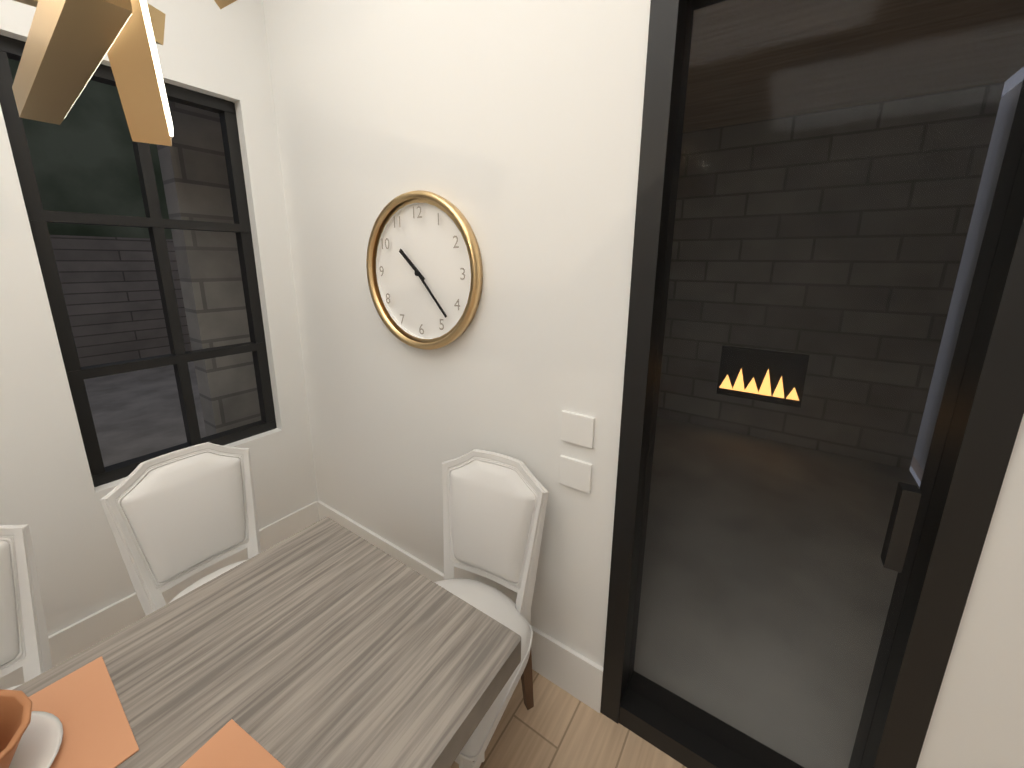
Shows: 10:23
